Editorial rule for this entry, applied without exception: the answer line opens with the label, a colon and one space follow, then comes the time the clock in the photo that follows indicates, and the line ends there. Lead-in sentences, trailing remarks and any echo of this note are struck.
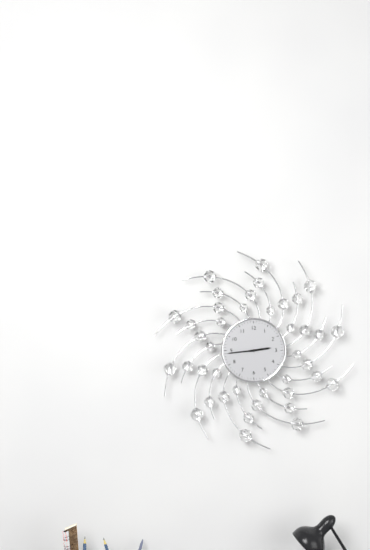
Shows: 2:44
